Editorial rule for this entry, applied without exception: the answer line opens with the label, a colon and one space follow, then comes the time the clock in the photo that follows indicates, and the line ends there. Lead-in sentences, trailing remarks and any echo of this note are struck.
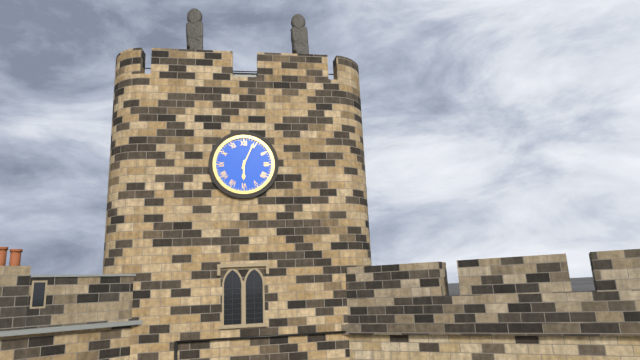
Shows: 6:04
